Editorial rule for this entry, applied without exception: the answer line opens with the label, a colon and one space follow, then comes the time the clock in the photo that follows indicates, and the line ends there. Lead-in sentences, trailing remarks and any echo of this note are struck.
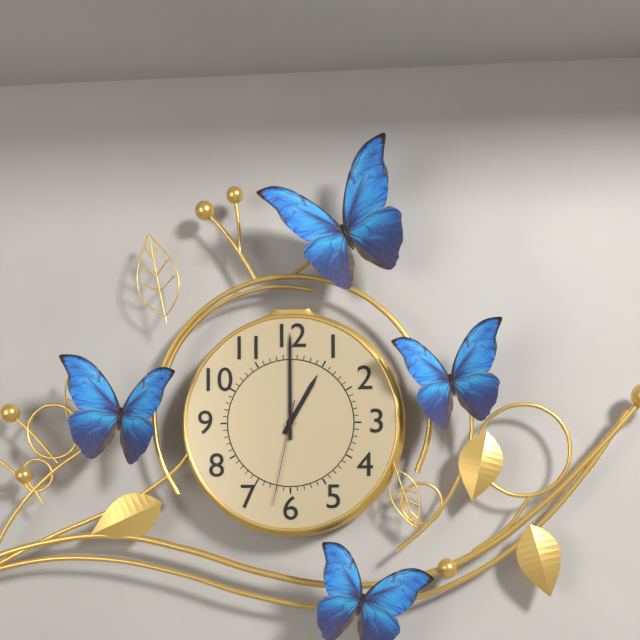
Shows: 1:00:32
